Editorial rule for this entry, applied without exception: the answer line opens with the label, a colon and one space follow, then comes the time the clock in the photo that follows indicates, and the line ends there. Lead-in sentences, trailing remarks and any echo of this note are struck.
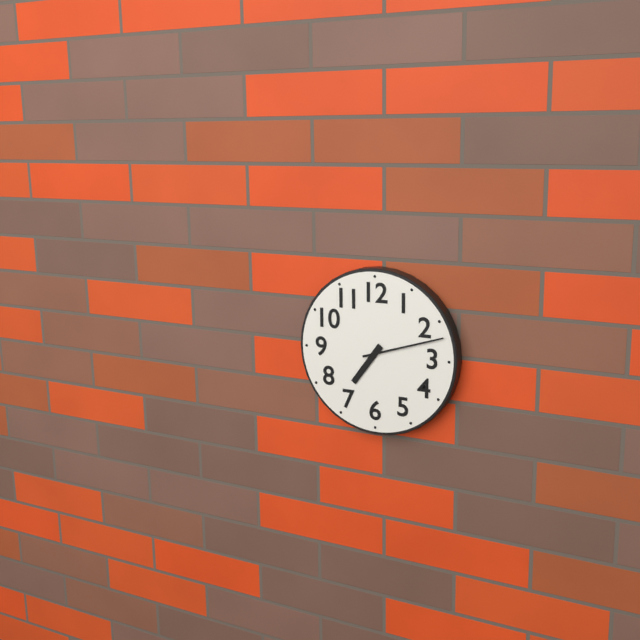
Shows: 7:12
